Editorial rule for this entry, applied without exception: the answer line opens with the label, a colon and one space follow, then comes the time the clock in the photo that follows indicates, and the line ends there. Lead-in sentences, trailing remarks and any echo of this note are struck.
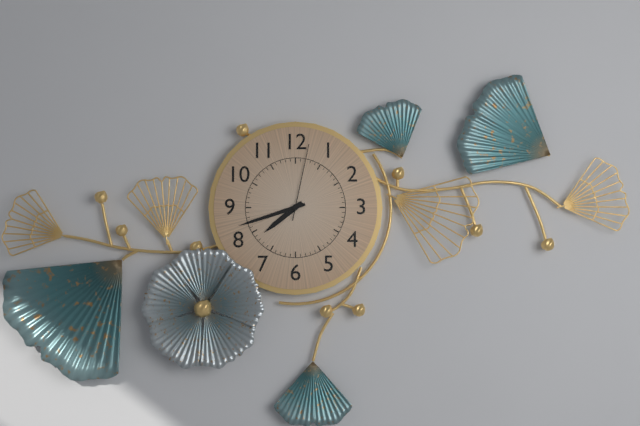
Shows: 7:42:02
